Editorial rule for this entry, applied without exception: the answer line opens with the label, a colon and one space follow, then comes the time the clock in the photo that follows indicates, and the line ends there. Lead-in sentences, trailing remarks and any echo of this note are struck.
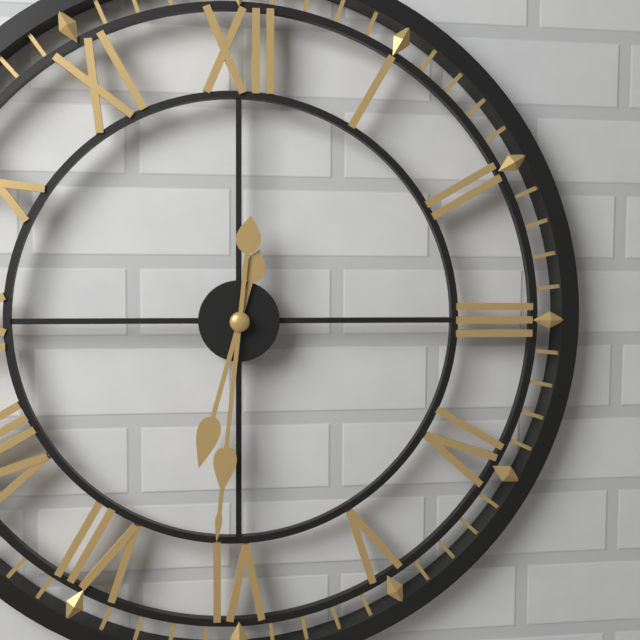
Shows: 6:31
